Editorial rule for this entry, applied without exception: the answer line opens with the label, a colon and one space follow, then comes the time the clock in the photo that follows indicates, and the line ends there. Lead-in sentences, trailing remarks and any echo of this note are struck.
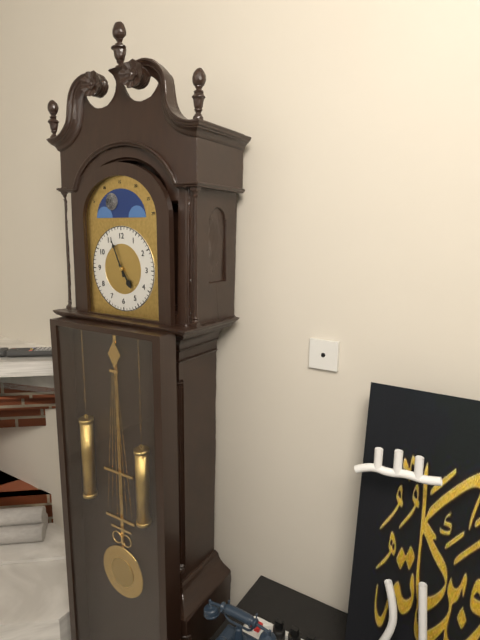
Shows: 4:56
